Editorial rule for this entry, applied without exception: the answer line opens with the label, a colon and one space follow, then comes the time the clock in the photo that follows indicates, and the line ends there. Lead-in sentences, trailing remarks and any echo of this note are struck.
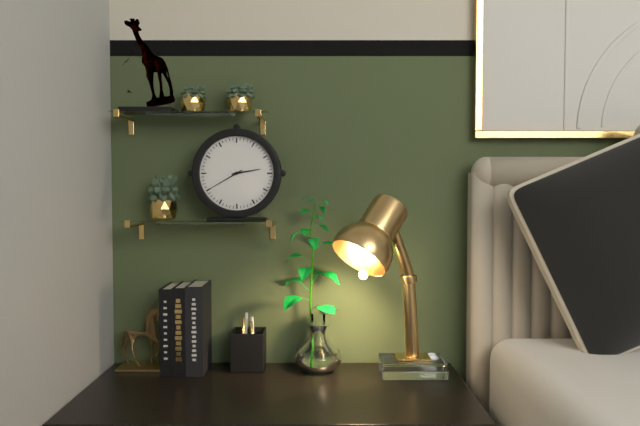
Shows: 2:40
